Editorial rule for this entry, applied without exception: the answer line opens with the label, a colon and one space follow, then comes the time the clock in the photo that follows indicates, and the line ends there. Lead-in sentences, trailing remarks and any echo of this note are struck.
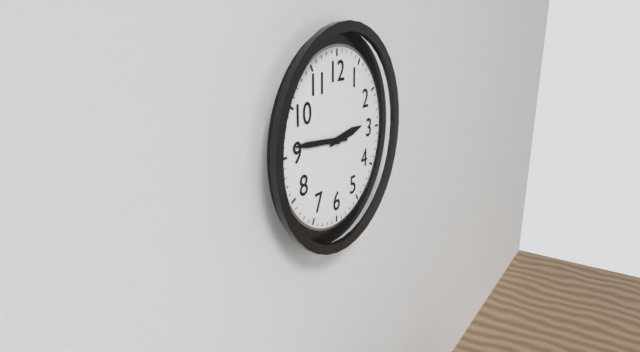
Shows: 2:46
